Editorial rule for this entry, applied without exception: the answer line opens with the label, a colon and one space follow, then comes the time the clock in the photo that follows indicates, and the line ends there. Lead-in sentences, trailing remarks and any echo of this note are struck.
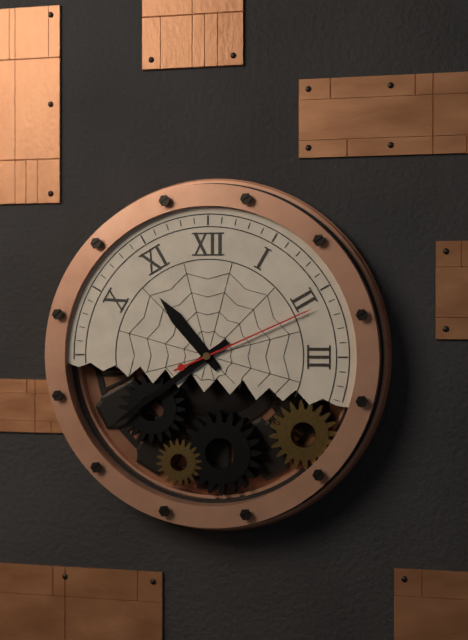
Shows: 10:39:11
